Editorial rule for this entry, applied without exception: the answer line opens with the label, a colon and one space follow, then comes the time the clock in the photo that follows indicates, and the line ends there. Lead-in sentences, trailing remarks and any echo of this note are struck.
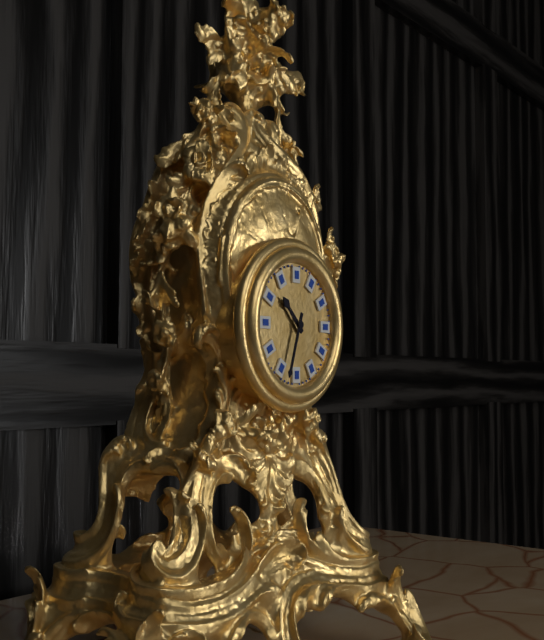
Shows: 10:33
